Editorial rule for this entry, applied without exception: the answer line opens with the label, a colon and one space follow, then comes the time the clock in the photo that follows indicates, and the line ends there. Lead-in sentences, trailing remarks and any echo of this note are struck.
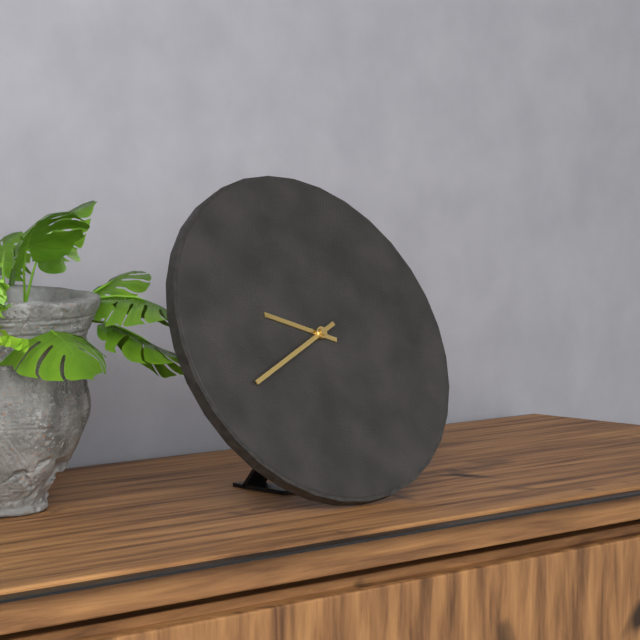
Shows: 9:41
